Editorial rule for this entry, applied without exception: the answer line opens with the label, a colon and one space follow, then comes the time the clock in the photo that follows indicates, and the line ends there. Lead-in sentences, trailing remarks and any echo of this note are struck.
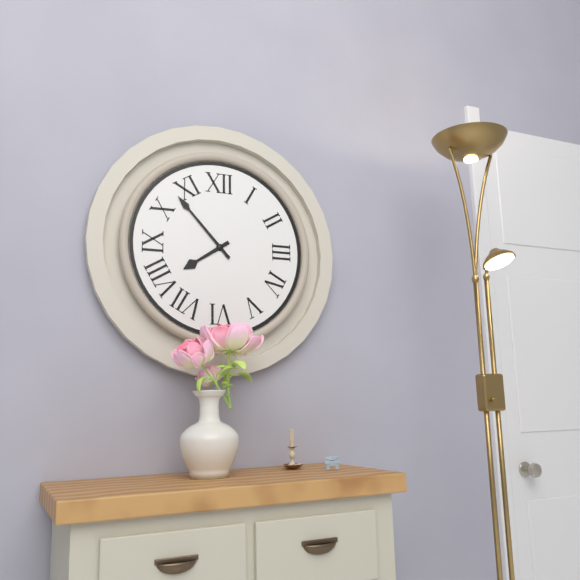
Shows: 7:53
